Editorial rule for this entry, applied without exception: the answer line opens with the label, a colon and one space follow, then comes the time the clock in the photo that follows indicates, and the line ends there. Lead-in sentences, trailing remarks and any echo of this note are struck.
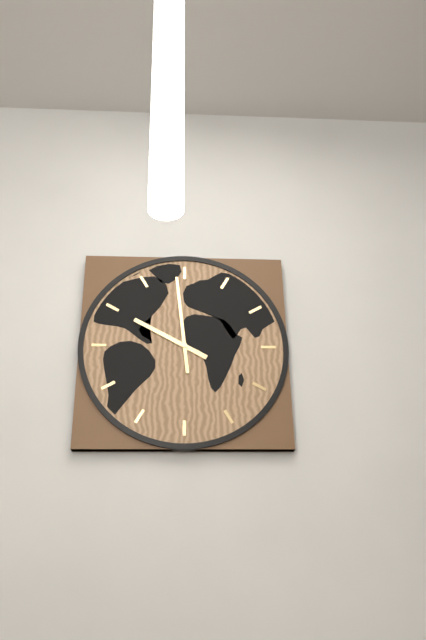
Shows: 9:59
